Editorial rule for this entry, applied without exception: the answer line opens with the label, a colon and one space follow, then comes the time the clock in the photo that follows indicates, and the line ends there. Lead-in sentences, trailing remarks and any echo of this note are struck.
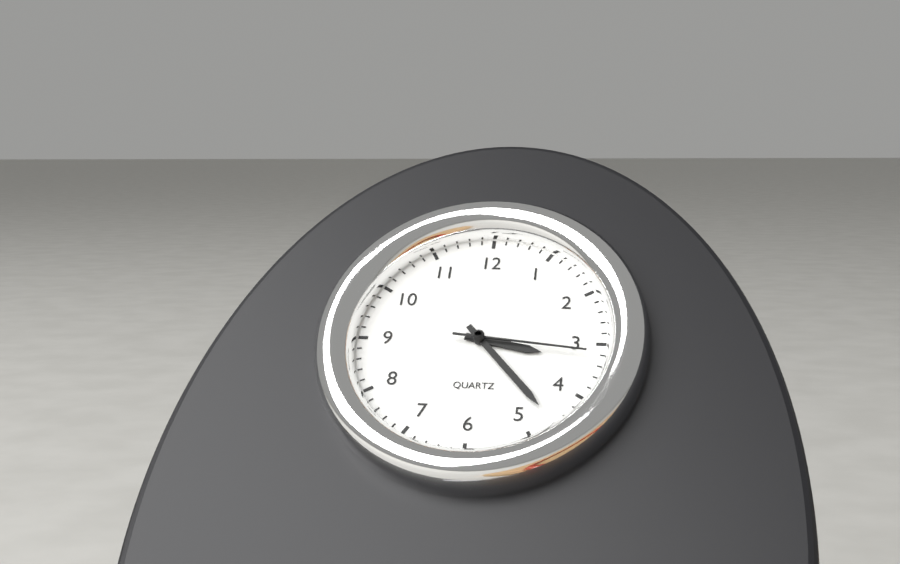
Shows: 3:23:16
